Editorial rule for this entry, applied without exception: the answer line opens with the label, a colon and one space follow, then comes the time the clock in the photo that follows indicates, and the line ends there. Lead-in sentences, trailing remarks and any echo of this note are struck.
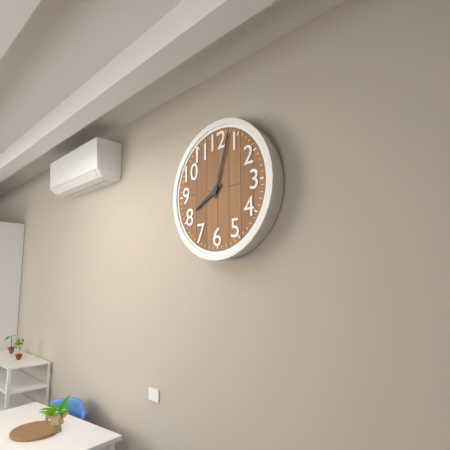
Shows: 8:03
